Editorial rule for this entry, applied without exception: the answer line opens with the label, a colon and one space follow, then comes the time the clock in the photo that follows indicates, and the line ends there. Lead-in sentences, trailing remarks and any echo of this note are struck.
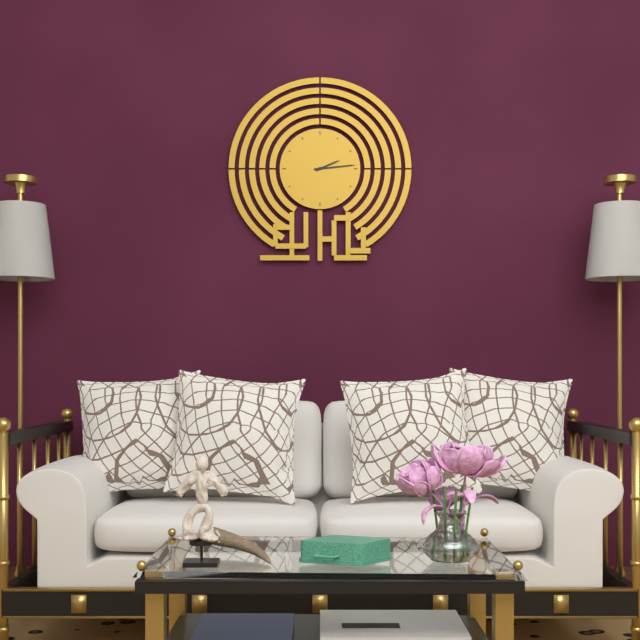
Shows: 2:14
